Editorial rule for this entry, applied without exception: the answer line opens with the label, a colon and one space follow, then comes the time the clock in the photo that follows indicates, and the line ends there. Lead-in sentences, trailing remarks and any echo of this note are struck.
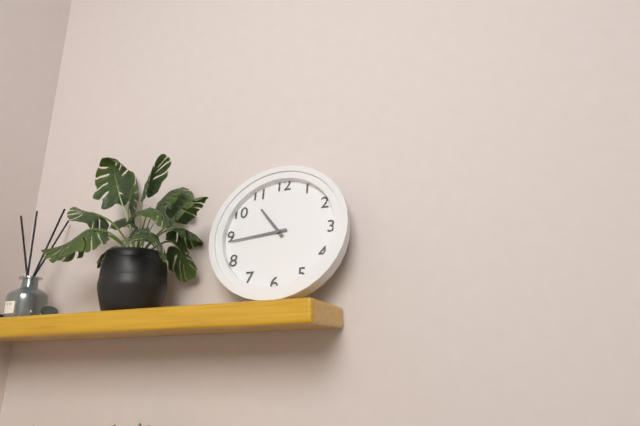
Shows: 10:44
